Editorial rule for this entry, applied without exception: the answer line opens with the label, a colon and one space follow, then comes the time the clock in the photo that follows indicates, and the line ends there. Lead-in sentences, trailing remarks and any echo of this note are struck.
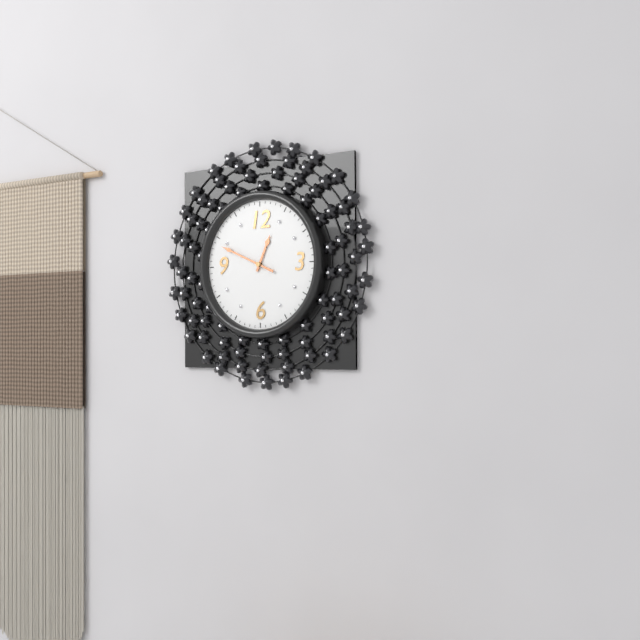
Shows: 12:49
